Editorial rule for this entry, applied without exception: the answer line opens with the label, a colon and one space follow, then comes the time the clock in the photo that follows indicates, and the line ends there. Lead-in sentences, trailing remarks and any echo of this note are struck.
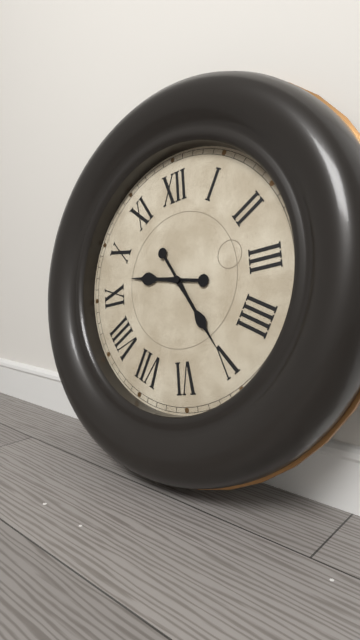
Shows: 9:25
